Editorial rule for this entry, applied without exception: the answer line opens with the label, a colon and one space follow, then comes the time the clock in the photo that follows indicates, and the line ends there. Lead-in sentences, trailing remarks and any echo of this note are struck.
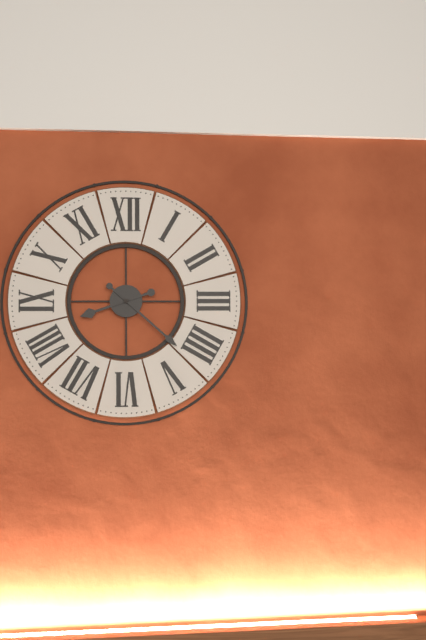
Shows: 8:22
